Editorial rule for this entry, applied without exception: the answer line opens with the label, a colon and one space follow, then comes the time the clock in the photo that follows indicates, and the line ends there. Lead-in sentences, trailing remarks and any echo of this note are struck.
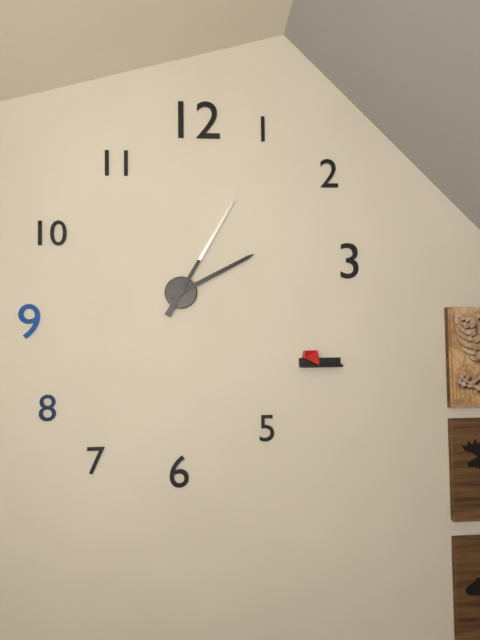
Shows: 2:05
